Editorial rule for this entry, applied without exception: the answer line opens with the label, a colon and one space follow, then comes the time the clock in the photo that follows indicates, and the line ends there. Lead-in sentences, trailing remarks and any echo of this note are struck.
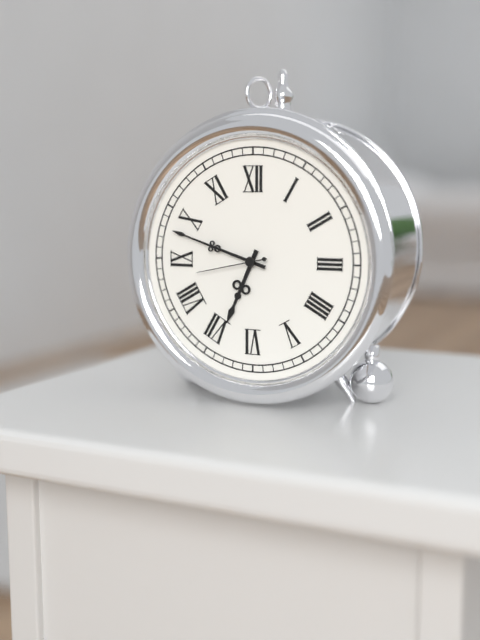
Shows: 6:48:43
